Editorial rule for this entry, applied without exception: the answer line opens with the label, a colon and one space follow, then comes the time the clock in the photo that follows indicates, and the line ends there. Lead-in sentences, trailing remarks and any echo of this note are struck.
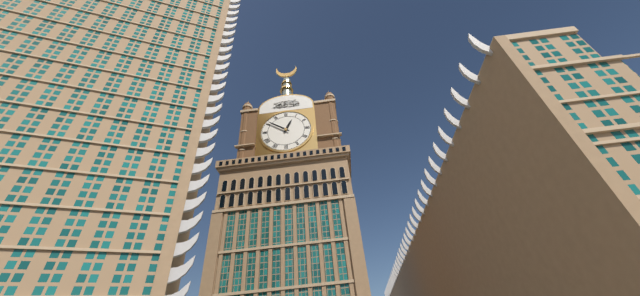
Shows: 12:51
